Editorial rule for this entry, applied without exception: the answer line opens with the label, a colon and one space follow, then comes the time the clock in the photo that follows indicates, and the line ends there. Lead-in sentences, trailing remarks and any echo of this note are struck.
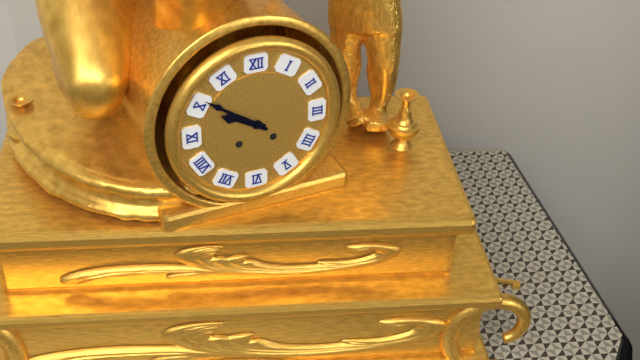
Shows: 9:51
